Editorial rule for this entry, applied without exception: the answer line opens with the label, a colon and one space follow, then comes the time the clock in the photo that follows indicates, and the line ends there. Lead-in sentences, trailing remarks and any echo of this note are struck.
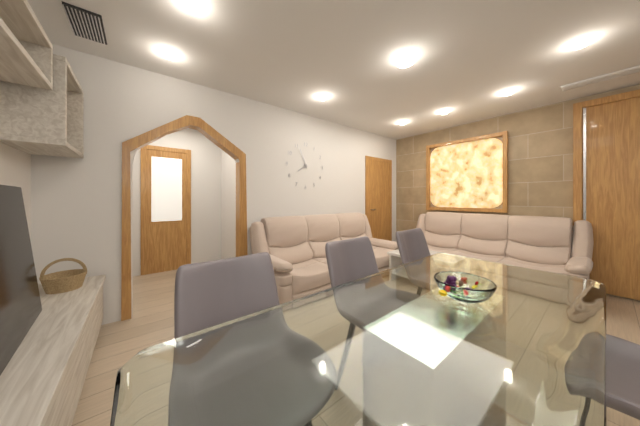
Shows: 7:56
